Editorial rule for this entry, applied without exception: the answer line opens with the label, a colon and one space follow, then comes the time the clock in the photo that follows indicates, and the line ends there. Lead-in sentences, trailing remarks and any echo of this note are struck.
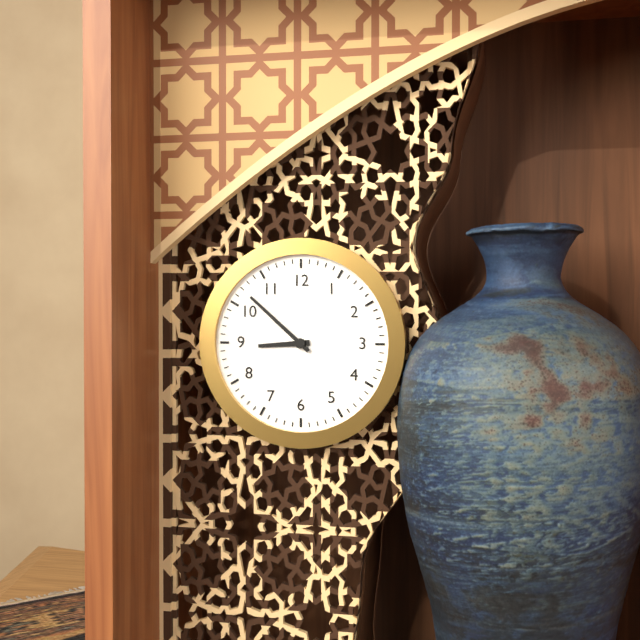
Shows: 8:52
